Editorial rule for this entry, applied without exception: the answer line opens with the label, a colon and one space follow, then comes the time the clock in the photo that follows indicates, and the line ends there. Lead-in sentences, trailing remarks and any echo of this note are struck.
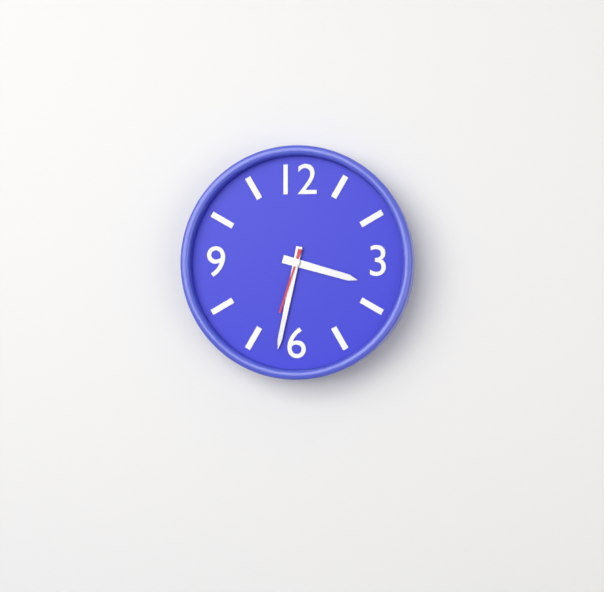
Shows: 3:32:33
